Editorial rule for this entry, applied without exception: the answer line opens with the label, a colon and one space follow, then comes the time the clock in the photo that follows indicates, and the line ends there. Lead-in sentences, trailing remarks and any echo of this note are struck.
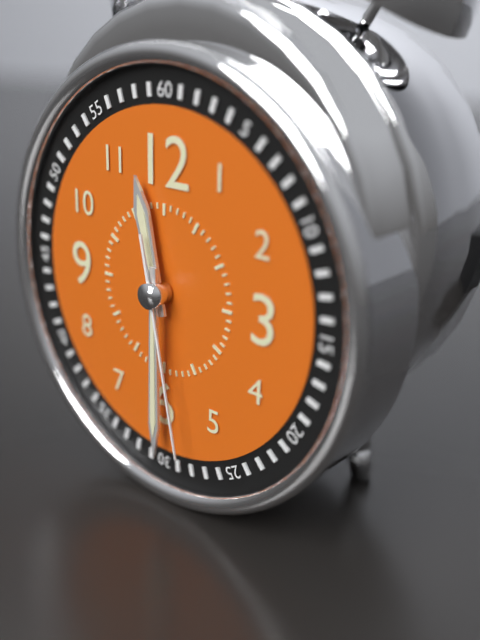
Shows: 11:30:28
